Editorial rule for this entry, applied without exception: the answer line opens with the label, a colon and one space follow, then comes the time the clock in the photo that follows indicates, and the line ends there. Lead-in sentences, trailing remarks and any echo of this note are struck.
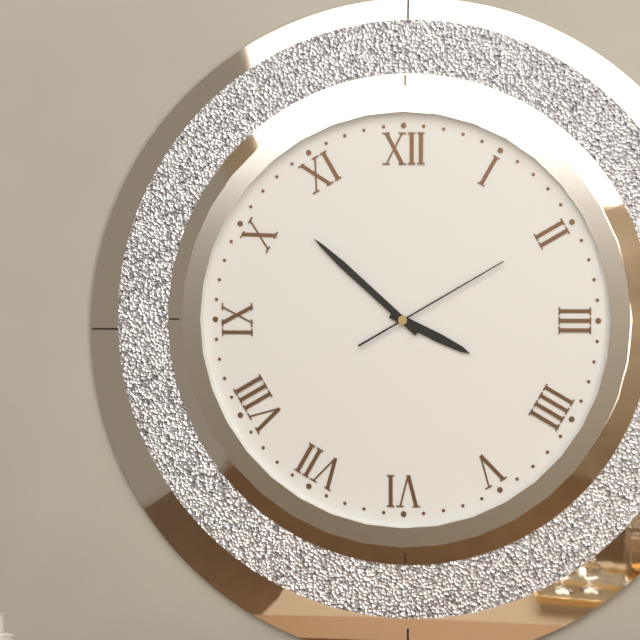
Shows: 3:52:10
